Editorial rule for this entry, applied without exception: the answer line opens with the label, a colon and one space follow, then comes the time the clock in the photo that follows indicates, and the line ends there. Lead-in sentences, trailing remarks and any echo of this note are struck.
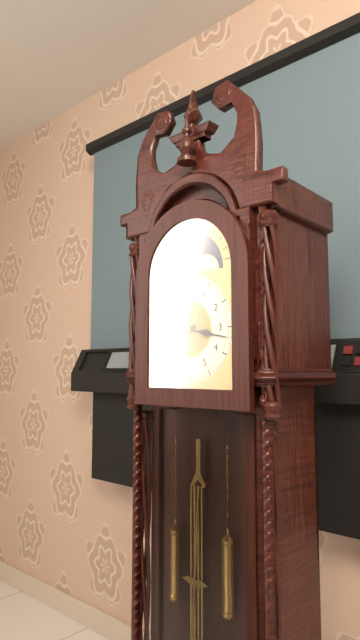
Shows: 8:17
